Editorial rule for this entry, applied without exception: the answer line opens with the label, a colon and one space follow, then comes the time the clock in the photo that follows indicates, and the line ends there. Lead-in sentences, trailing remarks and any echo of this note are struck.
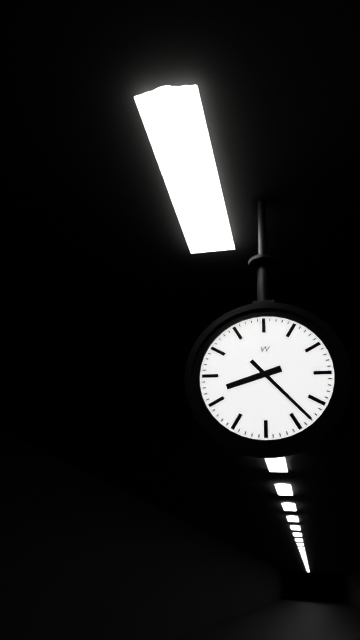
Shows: 8:23
